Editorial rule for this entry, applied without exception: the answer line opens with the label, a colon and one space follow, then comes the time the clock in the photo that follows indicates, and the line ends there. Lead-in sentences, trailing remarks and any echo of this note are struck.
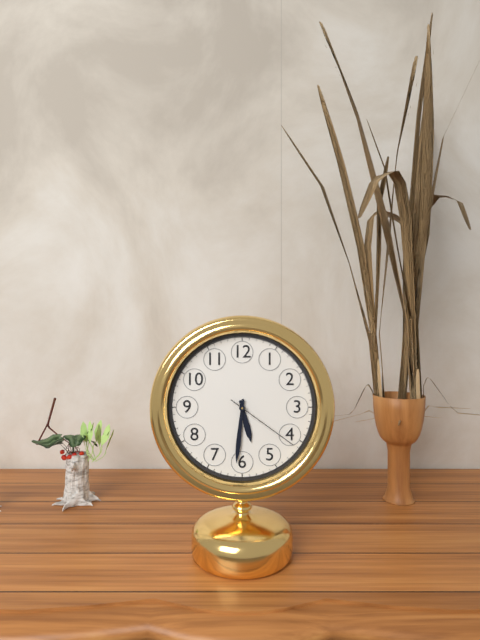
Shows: 5:31:21
